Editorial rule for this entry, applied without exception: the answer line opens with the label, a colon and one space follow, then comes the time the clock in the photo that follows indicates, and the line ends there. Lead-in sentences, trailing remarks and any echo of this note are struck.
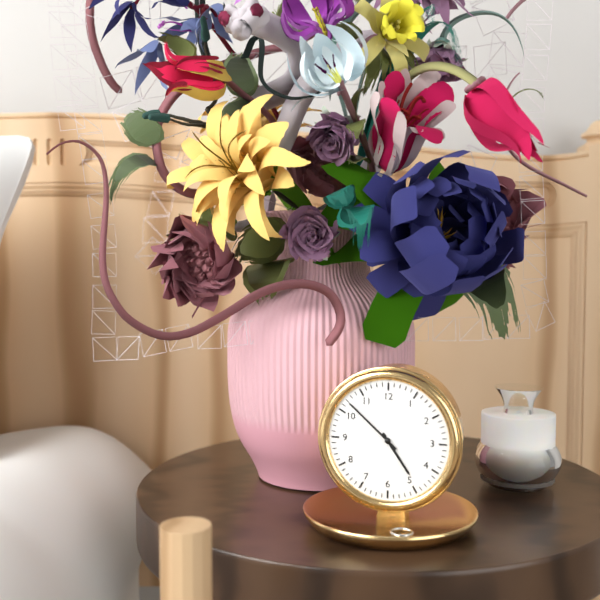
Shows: 4:52
